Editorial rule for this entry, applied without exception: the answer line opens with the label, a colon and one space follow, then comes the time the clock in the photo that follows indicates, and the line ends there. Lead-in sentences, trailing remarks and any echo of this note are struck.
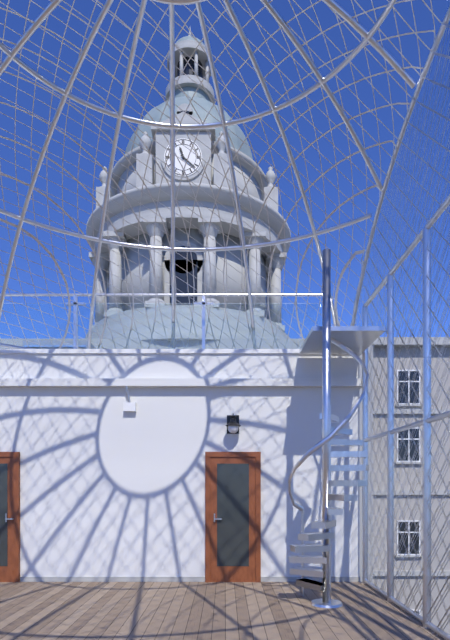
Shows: 11:22
